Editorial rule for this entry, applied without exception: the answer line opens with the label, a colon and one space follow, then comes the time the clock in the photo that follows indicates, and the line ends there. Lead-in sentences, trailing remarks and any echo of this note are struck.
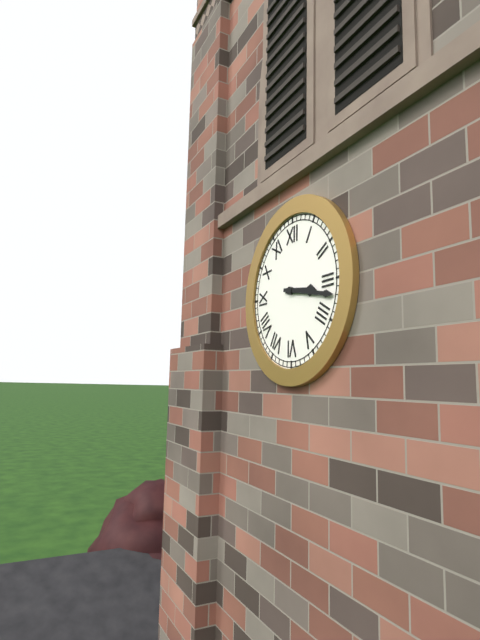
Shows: 3:17
